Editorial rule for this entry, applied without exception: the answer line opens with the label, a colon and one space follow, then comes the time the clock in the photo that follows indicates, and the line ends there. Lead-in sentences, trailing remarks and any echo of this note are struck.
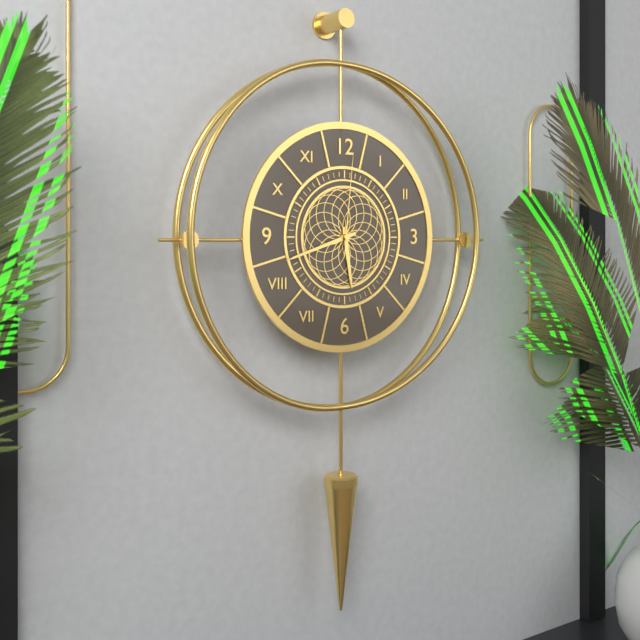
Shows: 5:42:01
